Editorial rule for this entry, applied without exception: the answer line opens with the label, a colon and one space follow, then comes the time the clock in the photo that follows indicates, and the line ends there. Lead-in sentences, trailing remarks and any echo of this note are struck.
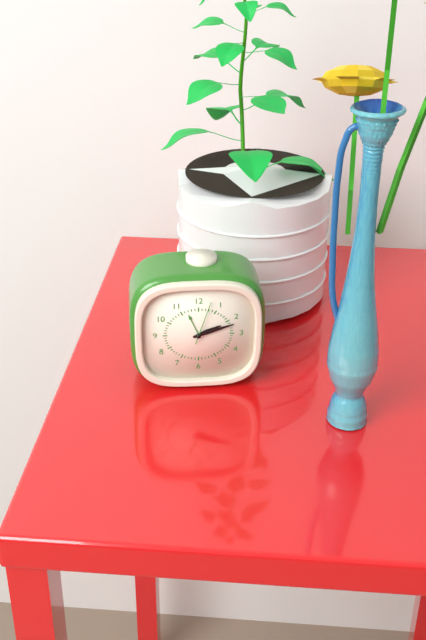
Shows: 2:12
